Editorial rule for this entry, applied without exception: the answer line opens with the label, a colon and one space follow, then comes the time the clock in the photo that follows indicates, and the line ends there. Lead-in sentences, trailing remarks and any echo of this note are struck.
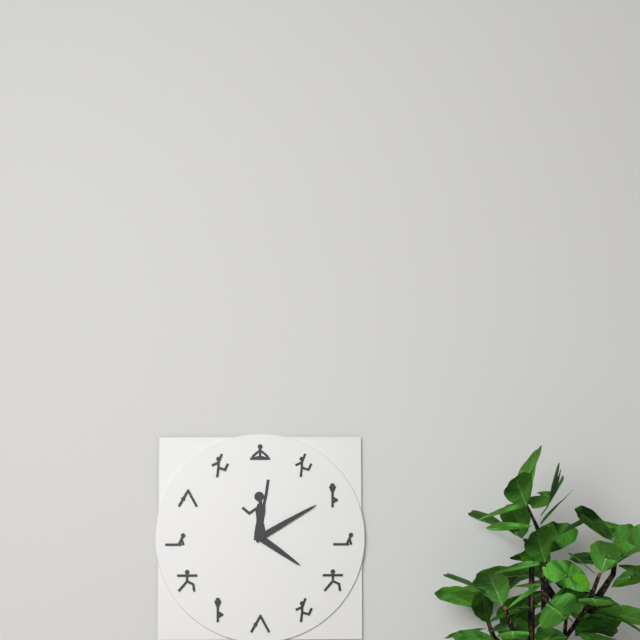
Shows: 4:10
